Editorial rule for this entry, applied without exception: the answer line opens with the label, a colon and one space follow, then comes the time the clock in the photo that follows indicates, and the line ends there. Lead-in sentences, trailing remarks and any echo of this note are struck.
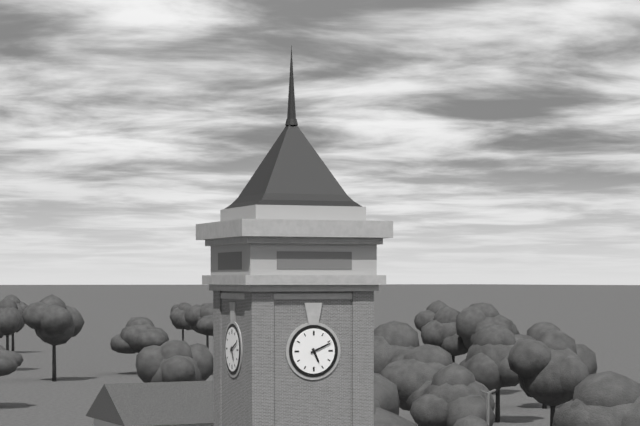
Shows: 5:11
